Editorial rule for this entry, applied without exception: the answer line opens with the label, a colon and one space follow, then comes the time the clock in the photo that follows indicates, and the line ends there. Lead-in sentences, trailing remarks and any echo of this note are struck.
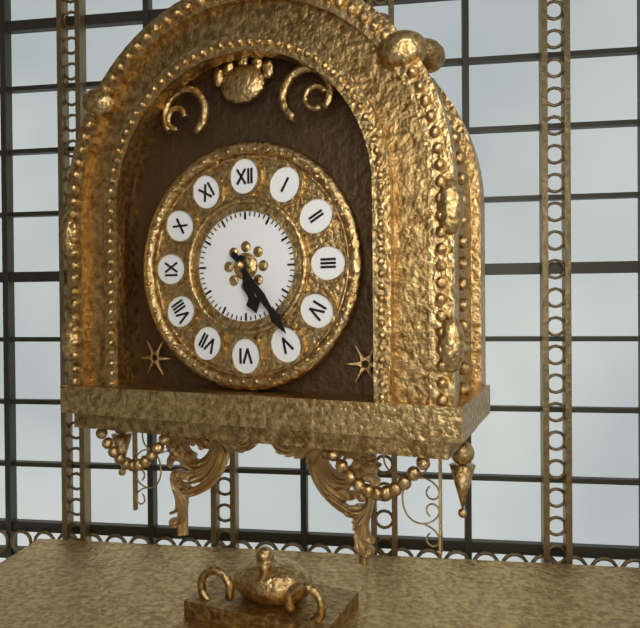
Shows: 5:24
